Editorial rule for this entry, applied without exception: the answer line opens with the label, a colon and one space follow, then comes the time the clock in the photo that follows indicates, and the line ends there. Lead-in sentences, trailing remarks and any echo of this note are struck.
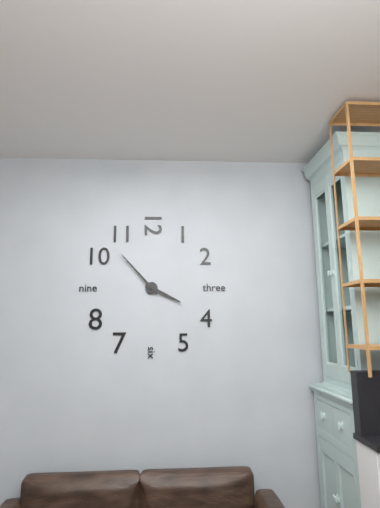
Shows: 3:53
